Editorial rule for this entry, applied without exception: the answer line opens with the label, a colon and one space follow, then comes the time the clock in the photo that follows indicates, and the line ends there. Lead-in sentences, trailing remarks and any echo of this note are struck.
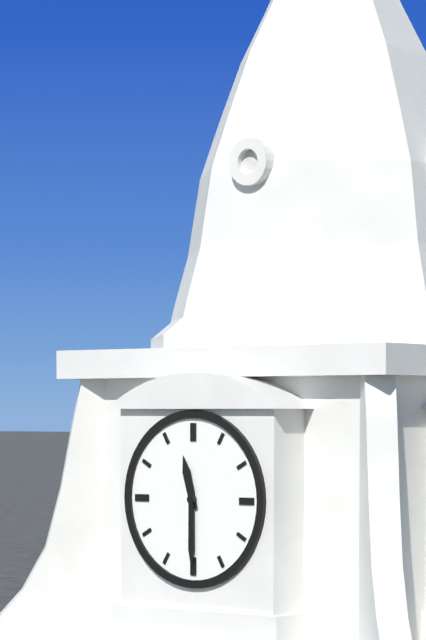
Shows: 11:30
